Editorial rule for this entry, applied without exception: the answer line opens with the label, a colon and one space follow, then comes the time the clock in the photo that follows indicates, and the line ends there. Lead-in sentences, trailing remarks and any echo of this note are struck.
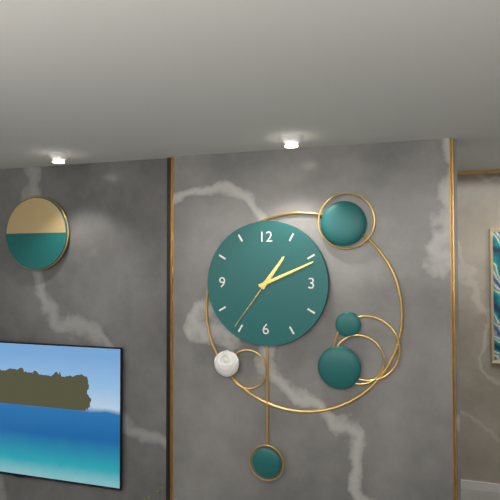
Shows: 1:11:36
